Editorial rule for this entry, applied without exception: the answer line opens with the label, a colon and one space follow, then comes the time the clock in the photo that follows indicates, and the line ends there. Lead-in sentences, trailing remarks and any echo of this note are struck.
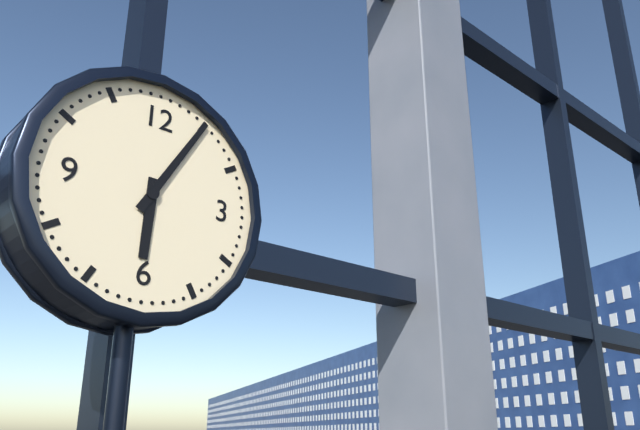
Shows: 6:05
